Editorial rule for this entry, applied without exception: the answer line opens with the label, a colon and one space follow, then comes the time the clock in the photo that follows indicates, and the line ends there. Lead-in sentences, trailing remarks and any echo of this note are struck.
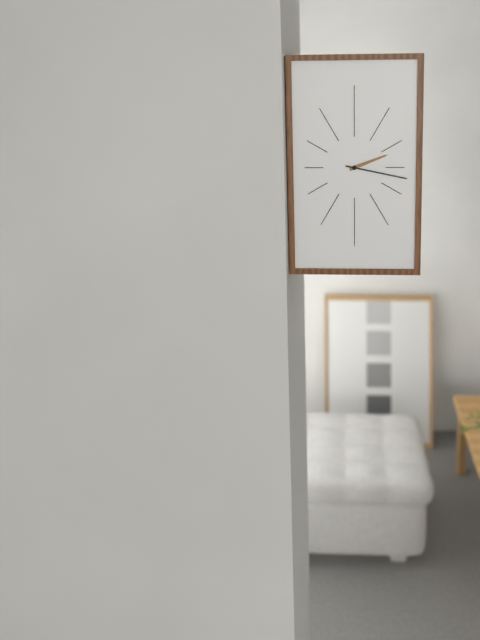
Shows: 2:17
